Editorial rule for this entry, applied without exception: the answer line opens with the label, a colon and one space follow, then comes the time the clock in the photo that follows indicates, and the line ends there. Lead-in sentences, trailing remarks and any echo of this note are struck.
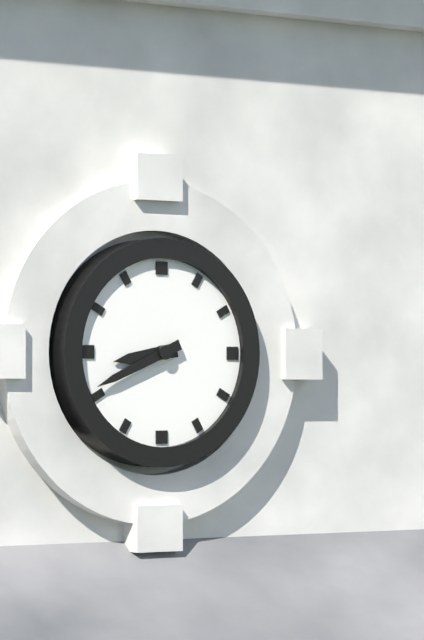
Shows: 8:41
